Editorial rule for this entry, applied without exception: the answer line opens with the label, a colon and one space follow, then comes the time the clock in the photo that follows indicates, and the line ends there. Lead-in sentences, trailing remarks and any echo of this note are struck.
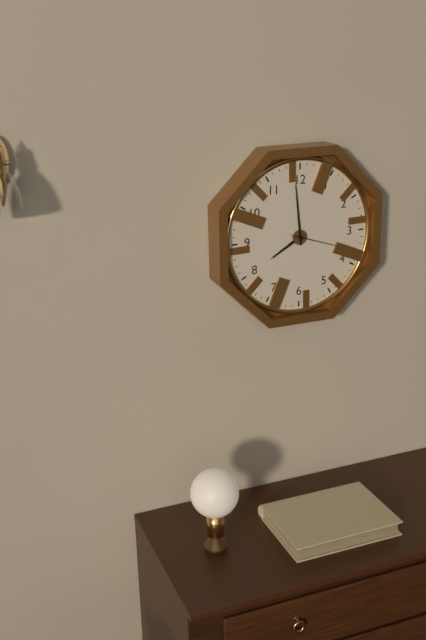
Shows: 7:59:18
